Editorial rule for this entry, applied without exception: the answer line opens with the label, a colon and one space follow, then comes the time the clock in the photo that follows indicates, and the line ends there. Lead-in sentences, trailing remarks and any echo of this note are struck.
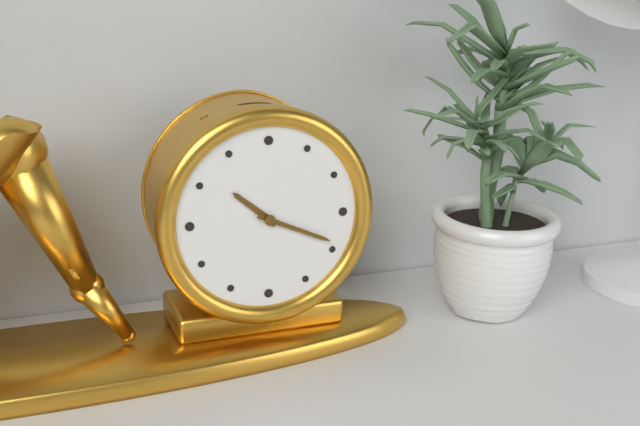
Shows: 10:19
